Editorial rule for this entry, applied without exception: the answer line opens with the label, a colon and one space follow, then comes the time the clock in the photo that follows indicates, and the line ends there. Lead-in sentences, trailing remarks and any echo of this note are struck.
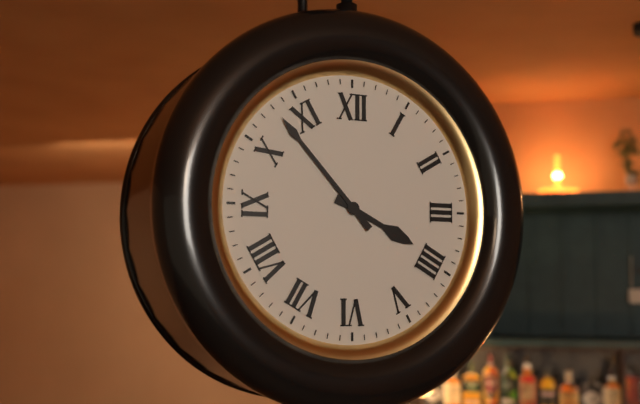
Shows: 3:53
